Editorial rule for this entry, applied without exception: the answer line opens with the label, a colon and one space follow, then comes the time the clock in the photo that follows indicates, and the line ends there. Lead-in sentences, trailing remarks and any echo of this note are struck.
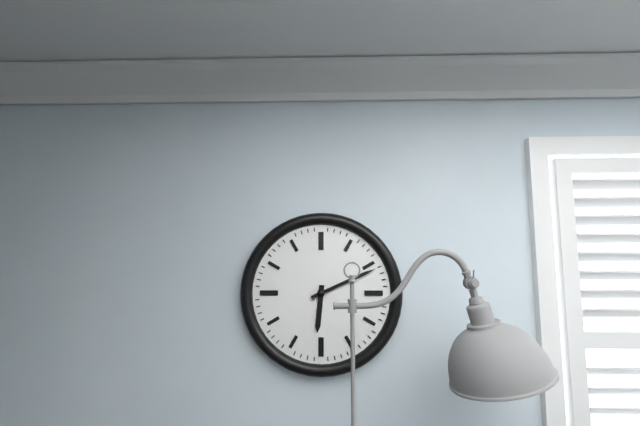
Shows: 6:11
